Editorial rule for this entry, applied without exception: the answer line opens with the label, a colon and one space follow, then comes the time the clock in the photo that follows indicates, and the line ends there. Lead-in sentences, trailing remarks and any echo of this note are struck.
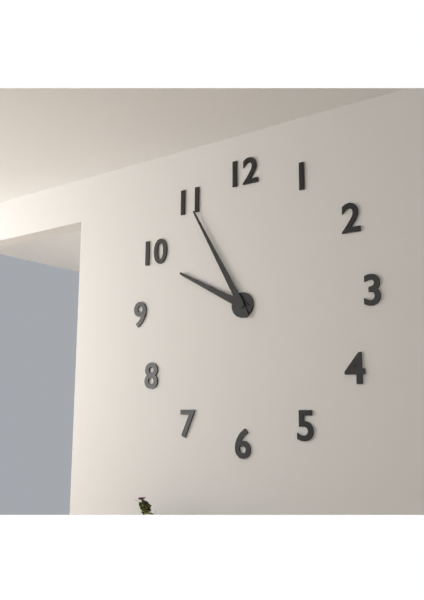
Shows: 9:55
